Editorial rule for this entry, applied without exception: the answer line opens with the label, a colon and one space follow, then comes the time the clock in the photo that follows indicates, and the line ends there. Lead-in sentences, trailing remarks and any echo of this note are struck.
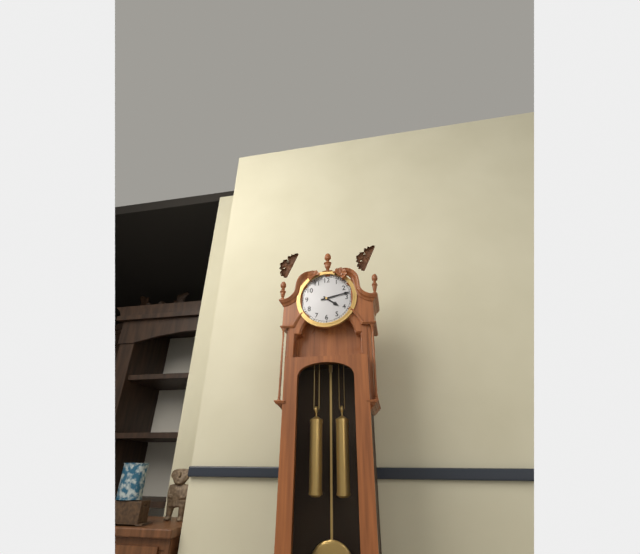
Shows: 4:13
